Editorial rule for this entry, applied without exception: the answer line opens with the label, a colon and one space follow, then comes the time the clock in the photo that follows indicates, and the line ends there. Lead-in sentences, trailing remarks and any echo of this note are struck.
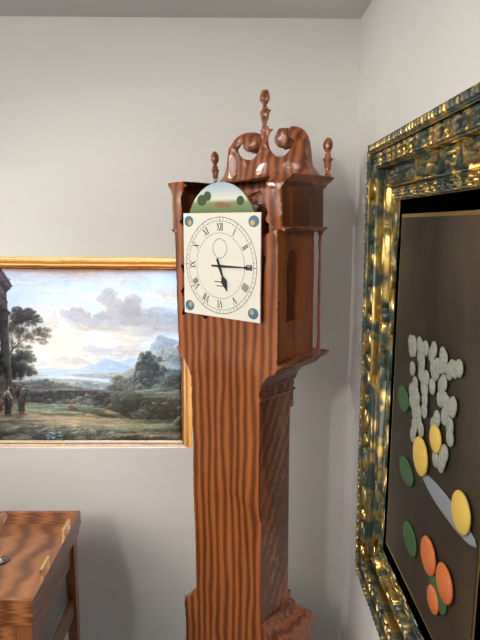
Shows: 5:15
